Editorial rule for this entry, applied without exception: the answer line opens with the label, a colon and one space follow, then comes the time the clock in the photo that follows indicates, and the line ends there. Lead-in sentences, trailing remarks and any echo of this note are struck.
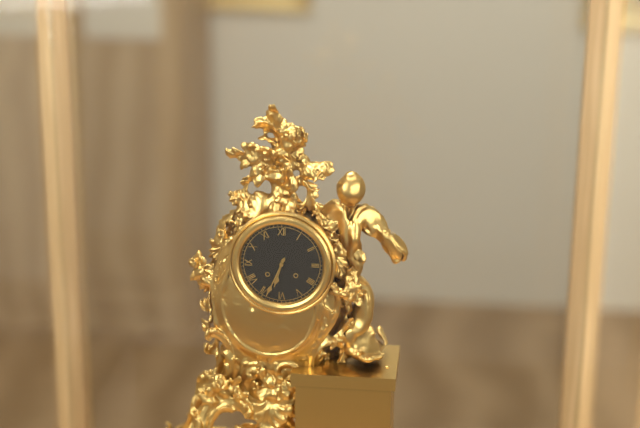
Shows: 6:34
